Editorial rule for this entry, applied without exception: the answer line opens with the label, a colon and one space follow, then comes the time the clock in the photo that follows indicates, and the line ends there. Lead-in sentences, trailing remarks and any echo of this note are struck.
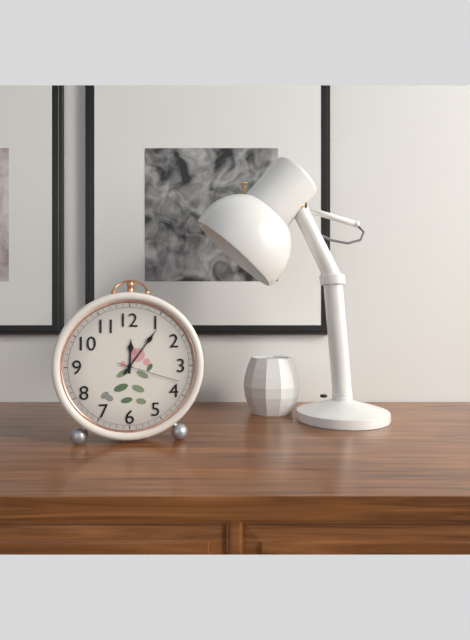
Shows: 12:06:18
